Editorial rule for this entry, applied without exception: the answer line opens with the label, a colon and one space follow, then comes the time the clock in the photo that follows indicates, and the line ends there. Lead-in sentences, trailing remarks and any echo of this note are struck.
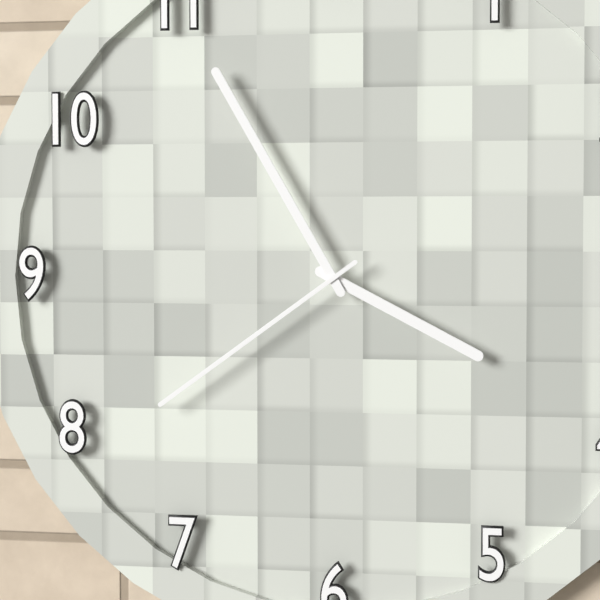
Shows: 3:55:39
